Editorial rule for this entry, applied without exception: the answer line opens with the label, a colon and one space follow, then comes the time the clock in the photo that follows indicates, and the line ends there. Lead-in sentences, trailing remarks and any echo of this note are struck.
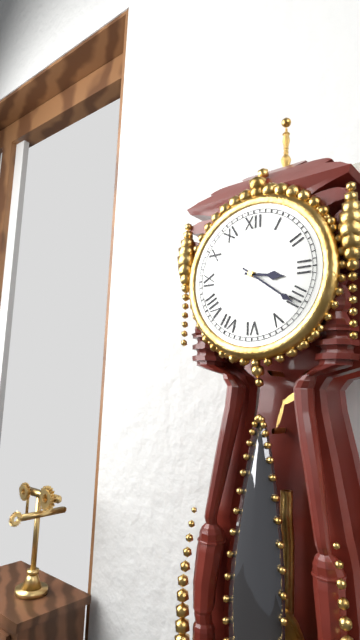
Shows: 3:21
